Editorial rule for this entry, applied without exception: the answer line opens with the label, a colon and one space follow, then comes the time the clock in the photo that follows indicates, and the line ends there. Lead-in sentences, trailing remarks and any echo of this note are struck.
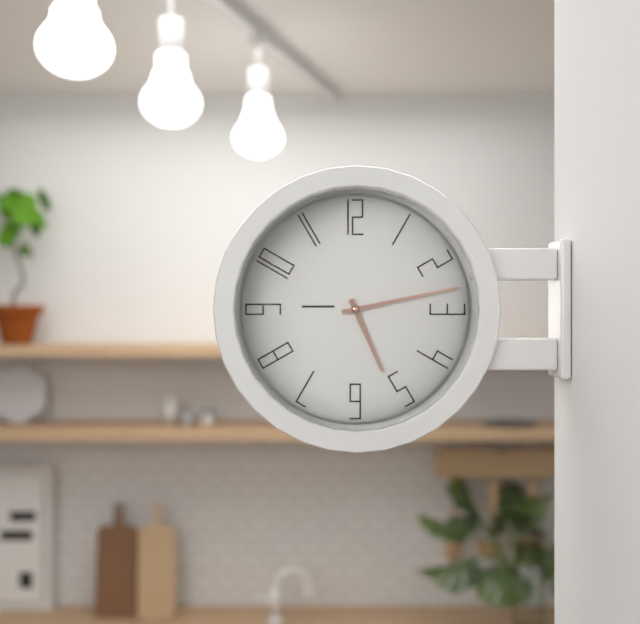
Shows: 5:13
